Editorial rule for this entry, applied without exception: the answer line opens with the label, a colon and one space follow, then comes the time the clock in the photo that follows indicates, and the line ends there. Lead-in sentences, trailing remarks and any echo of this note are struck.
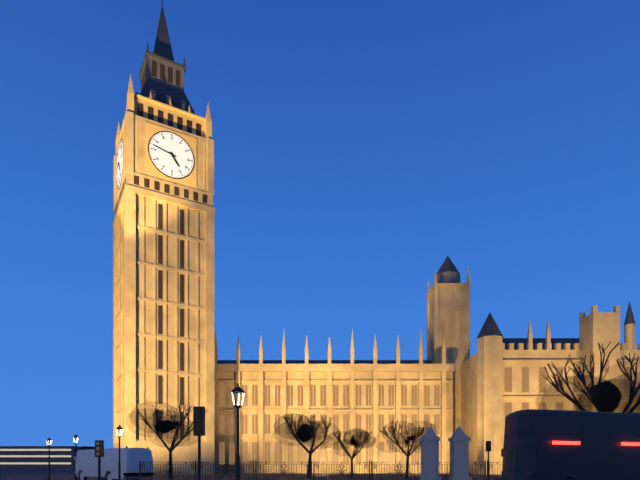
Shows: 4:47
